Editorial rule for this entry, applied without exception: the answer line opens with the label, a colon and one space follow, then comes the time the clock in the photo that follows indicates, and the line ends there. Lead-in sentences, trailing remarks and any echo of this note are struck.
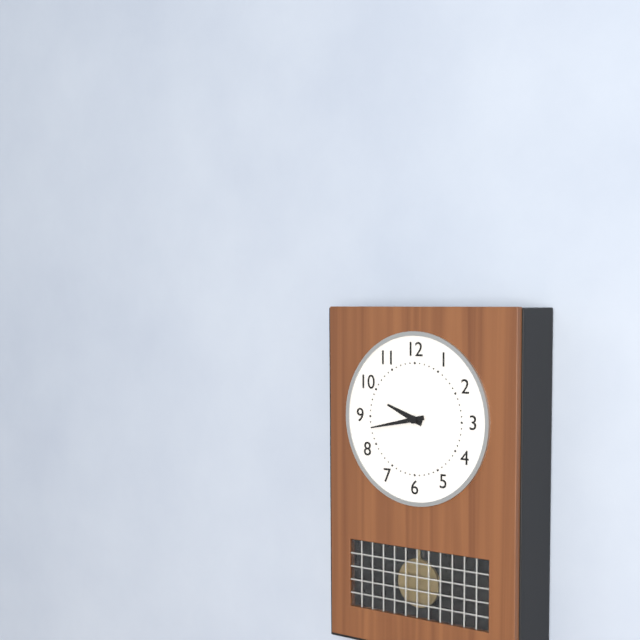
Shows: 9:43
